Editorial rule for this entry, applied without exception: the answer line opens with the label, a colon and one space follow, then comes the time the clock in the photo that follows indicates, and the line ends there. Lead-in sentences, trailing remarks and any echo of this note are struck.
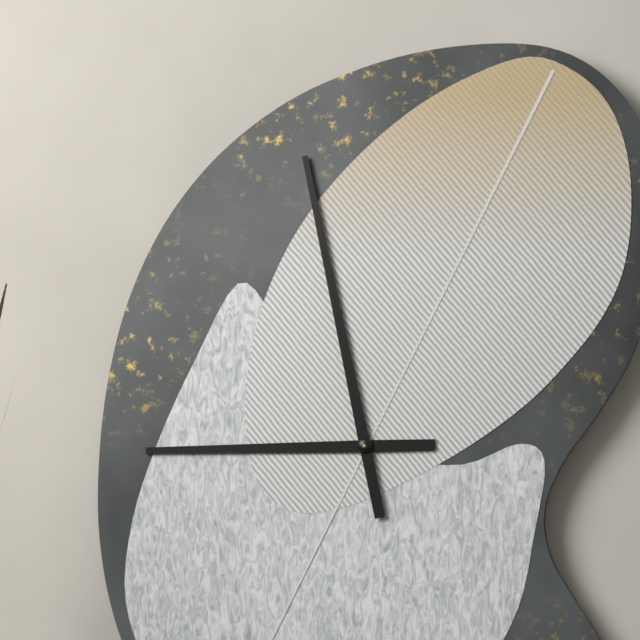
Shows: 8:58
